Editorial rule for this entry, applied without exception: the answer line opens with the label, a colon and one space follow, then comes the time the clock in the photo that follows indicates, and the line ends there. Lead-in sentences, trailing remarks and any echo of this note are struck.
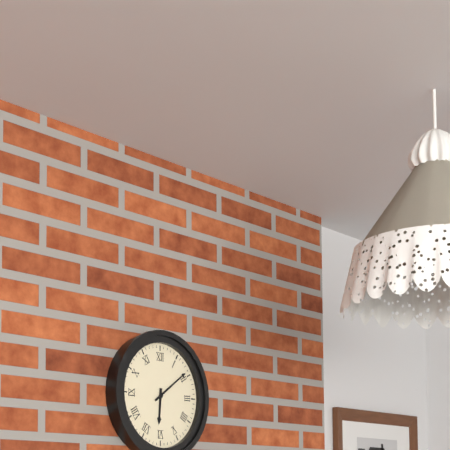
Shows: 6:09
